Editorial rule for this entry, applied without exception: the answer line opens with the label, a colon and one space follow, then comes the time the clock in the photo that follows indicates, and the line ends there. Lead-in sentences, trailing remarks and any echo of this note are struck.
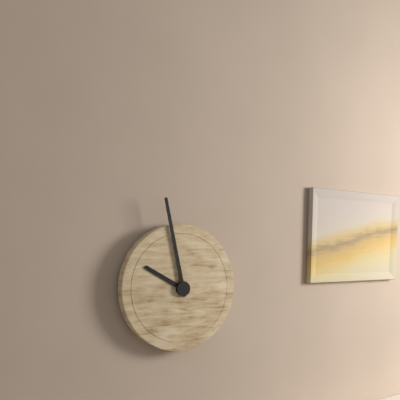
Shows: 9:58
